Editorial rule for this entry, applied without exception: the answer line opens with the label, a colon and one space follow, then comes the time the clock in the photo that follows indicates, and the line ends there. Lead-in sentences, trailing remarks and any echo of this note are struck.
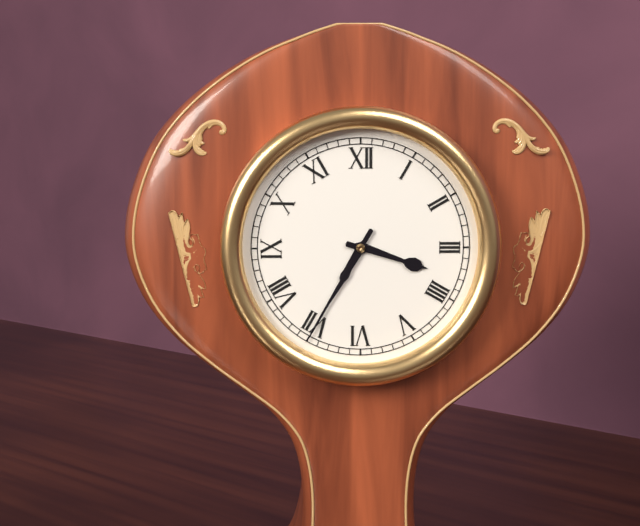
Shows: 3:35
